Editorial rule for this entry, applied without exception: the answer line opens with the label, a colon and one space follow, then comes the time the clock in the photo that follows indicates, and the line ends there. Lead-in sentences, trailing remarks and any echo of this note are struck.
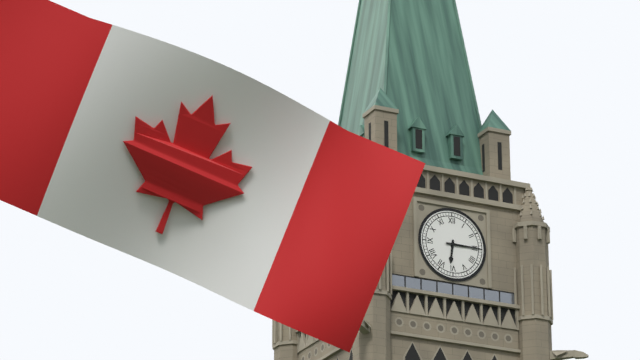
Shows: 6:15
